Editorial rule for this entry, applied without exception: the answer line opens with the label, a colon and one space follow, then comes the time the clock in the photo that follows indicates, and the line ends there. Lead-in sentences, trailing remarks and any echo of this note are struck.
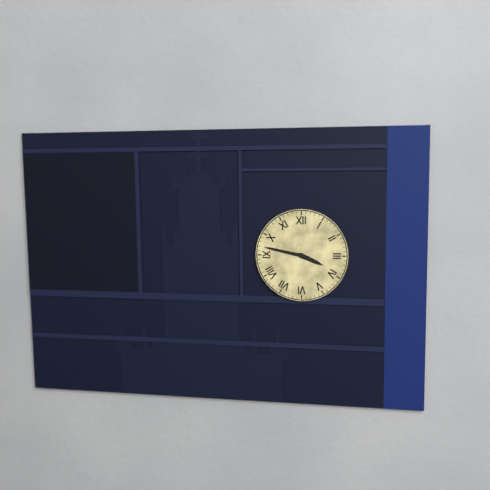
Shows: 3:47
